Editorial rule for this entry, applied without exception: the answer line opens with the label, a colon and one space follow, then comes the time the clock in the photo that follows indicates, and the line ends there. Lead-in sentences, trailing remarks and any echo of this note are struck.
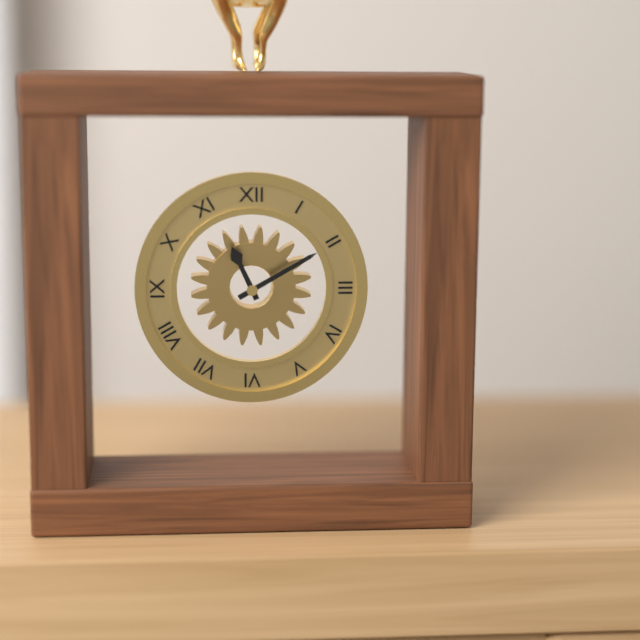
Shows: 11:10
